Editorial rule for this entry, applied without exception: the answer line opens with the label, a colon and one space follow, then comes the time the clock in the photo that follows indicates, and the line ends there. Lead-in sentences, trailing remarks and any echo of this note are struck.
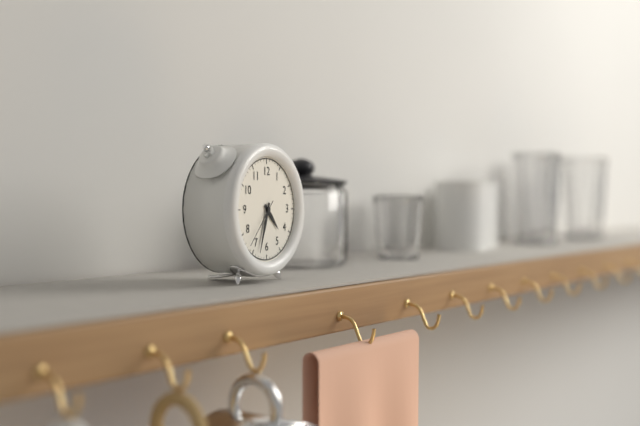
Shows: 4:33
